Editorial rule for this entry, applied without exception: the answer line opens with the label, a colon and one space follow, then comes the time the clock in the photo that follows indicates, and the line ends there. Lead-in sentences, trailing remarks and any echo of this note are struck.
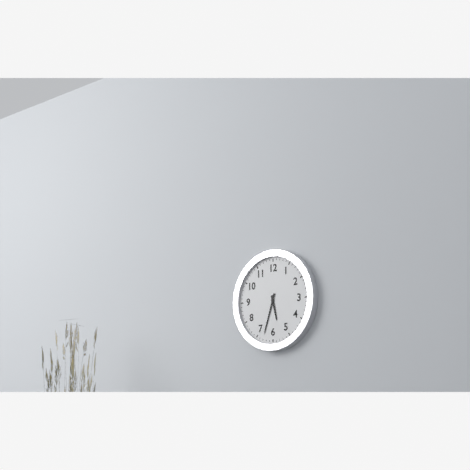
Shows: 5:33
